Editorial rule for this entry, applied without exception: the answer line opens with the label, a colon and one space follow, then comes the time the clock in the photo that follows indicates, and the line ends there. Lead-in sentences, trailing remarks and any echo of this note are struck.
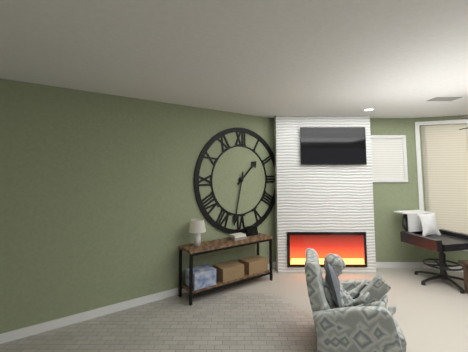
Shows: 1:32
